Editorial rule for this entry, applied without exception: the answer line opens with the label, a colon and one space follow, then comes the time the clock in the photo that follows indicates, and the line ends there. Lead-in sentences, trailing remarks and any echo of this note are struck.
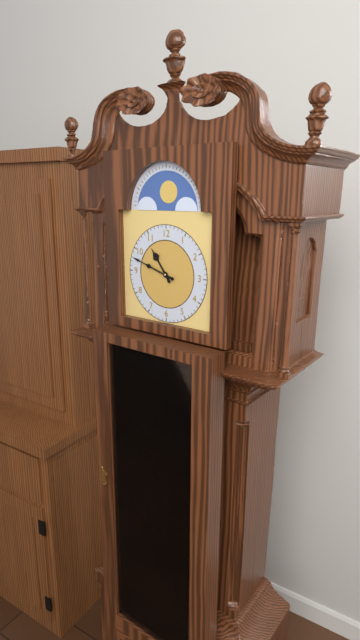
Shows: 10:48
